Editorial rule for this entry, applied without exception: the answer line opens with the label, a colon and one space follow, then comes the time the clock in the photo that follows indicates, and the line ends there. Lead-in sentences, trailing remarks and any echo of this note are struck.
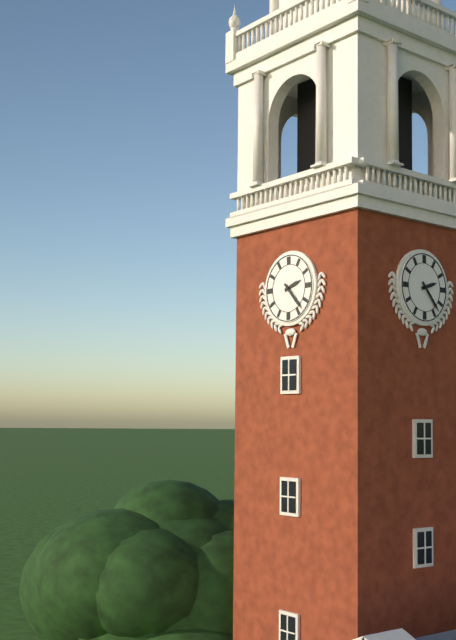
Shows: 2:23
